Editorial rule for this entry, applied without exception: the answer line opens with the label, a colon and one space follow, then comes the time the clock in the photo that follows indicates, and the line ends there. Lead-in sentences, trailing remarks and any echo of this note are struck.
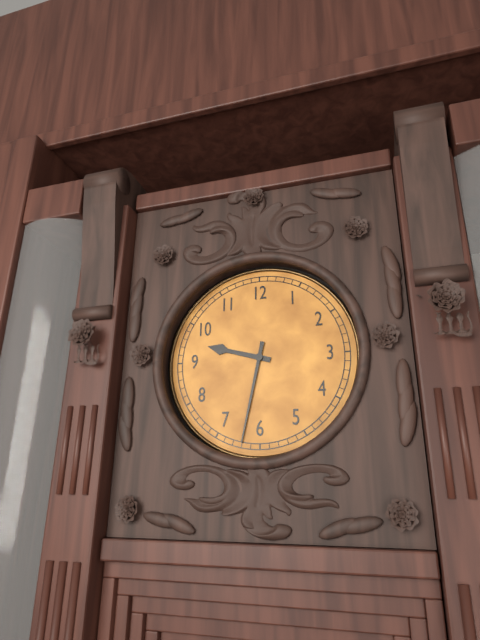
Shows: 9:32
